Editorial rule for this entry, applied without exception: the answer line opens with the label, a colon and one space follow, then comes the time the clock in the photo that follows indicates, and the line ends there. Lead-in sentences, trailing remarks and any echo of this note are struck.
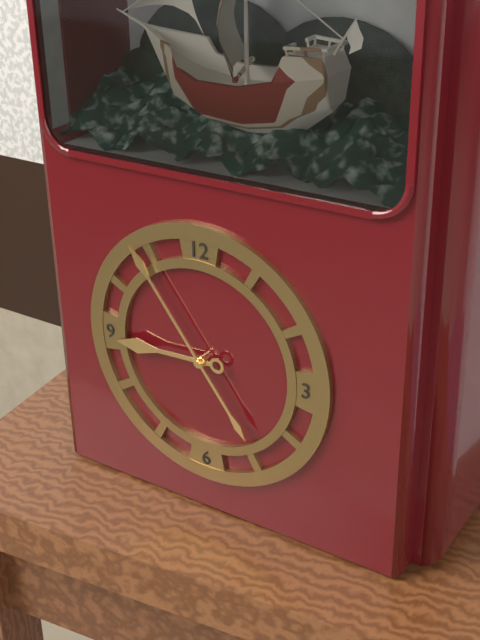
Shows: 8:54
